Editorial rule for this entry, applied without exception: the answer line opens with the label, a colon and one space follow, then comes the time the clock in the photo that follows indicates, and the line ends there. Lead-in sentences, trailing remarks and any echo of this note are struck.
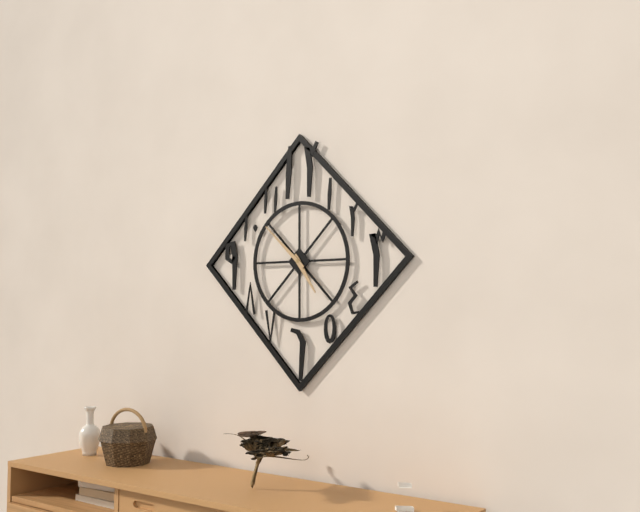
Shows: 4:52
